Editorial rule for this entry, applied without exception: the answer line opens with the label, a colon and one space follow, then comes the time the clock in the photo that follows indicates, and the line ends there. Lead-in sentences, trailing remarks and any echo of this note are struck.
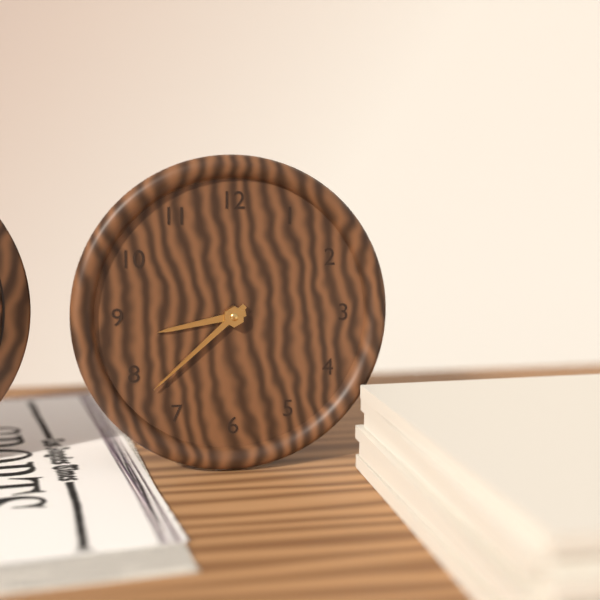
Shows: 8:38
